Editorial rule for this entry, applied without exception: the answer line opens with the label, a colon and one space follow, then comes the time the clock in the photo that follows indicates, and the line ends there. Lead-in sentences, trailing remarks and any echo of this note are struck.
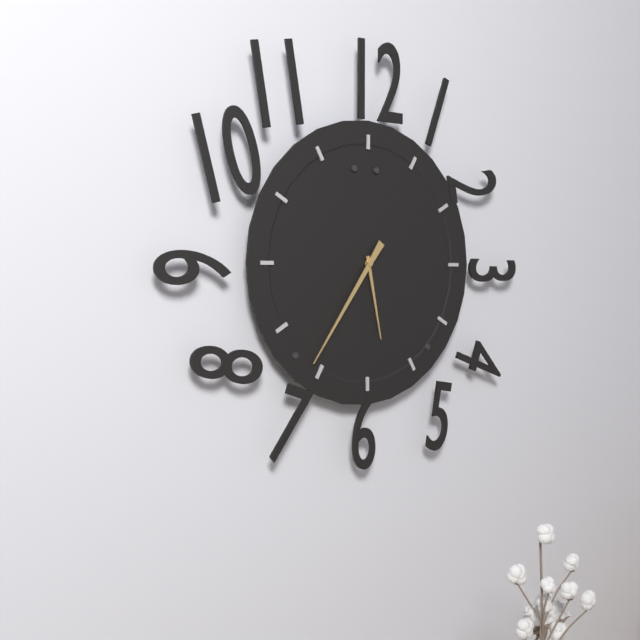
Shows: 5:36
